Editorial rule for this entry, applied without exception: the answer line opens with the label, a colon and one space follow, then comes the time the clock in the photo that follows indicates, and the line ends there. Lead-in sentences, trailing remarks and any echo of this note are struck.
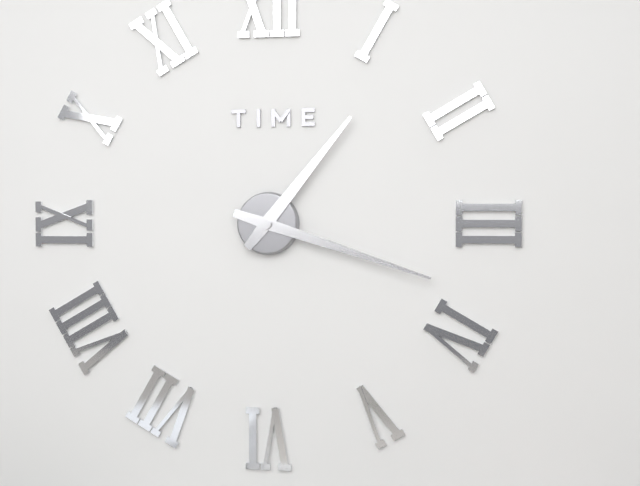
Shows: 1:18
